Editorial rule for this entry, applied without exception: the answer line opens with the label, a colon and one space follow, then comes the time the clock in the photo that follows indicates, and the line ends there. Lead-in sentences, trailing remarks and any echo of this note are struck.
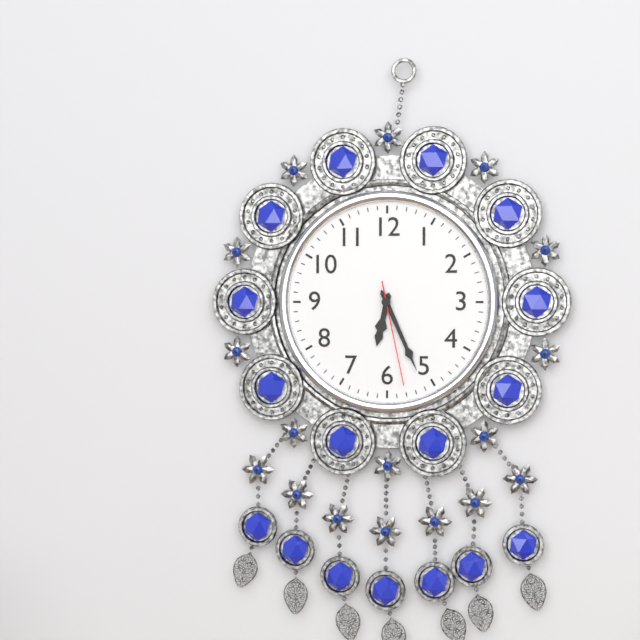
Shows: 6:26:28
